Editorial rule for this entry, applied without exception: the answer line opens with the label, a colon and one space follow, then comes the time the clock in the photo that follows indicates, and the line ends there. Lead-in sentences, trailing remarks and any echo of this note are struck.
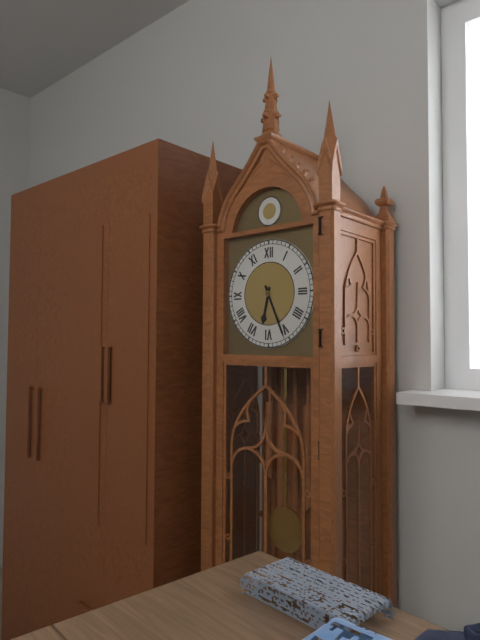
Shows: 6:26
